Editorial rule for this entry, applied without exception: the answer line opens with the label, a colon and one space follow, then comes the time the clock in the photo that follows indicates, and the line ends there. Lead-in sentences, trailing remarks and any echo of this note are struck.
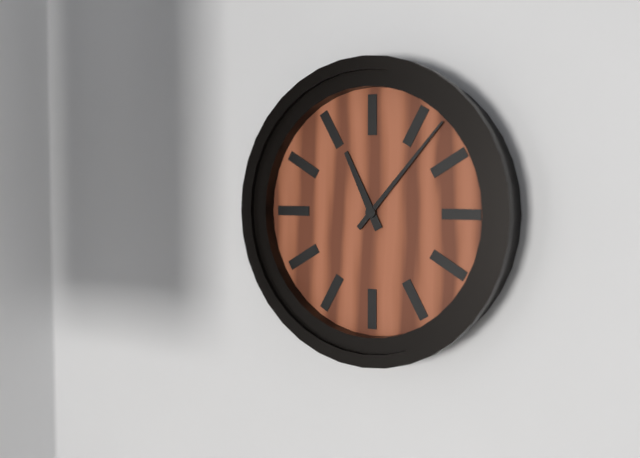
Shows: 11:07
